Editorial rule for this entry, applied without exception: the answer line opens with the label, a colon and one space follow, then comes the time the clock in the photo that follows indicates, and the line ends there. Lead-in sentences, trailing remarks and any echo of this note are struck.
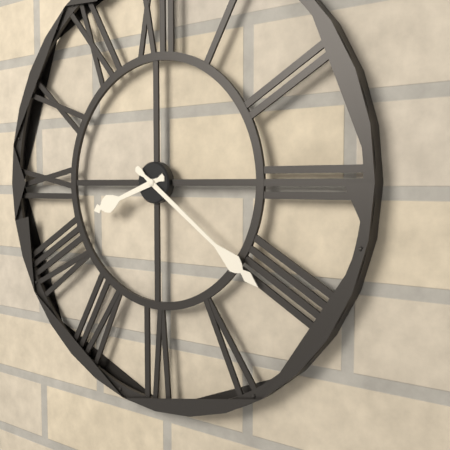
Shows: 8:21
